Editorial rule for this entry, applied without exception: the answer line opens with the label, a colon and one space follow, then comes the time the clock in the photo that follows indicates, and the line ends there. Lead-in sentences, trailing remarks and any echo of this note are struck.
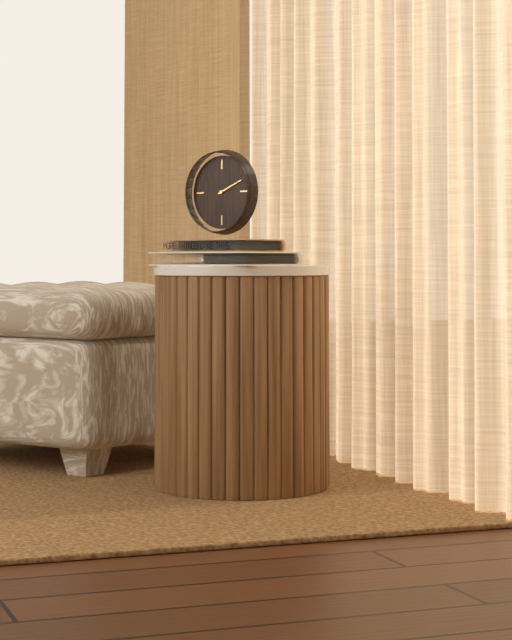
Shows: 2:11
